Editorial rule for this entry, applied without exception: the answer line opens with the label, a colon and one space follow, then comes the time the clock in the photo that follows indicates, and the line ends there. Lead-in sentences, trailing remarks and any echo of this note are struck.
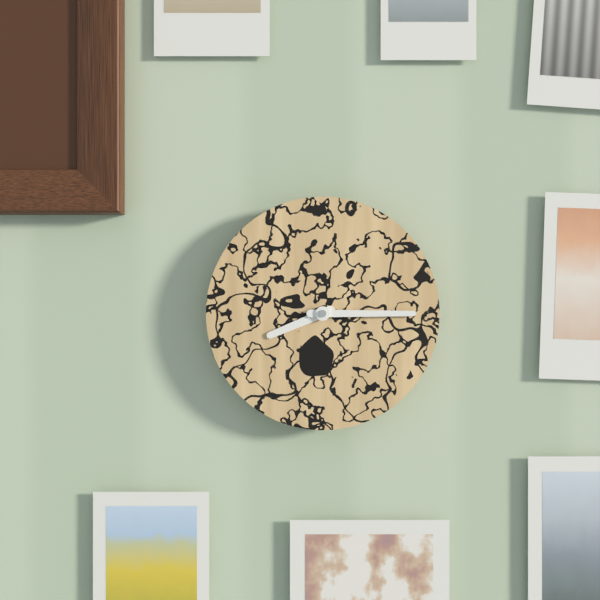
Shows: 8:15
